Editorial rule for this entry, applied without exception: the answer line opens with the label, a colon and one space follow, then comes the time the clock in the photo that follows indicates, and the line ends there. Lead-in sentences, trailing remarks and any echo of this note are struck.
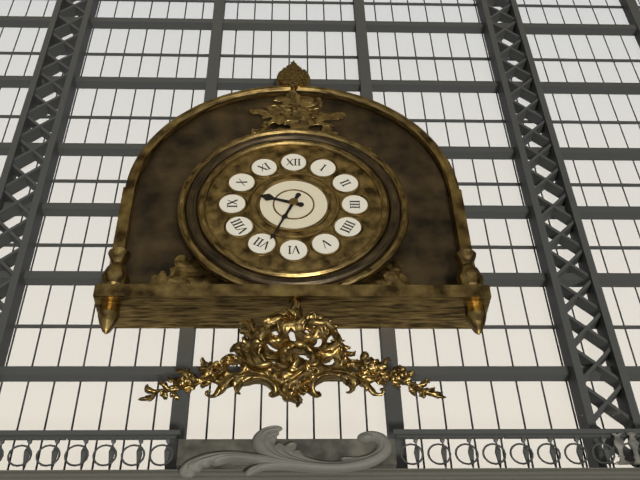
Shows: 9:34
